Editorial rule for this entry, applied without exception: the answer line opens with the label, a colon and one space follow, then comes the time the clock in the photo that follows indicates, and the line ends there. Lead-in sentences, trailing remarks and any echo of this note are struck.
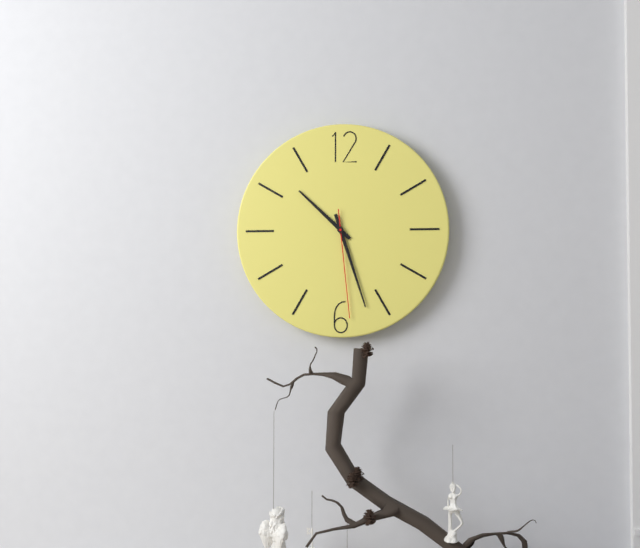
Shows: 10:27:29
